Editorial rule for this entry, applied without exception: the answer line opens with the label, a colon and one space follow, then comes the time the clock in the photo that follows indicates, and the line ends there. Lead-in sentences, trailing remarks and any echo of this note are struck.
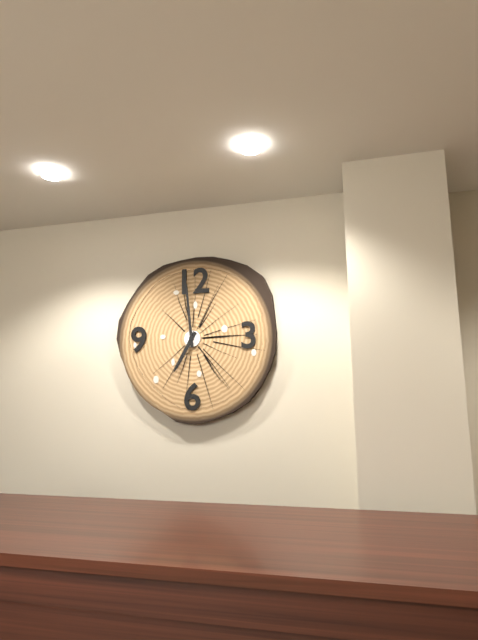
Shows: 6:59
